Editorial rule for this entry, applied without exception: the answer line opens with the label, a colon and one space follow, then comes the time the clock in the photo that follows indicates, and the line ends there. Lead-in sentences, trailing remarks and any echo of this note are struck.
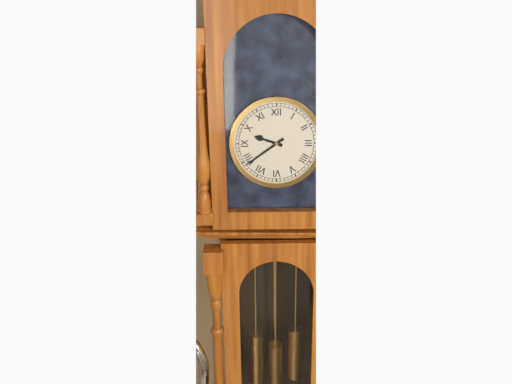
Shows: 9:39
